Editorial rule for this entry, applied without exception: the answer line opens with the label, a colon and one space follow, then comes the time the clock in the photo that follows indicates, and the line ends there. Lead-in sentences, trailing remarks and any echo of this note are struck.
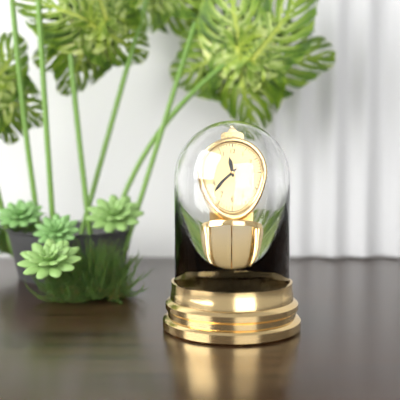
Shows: 11:38
